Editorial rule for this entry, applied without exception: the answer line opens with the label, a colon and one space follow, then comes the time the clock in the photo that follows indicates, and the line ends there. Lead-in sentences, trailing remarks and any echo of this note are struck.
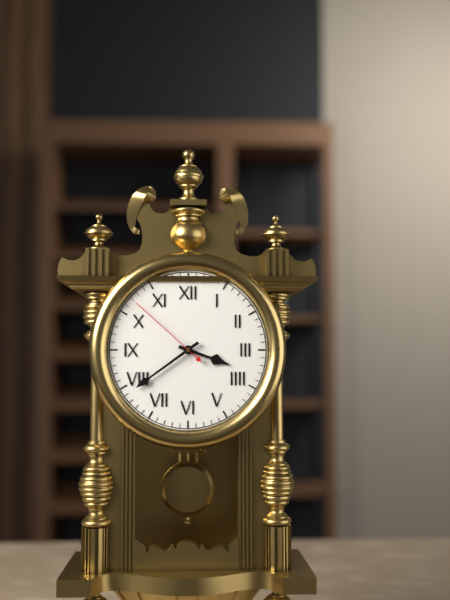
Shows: 3:39:52
